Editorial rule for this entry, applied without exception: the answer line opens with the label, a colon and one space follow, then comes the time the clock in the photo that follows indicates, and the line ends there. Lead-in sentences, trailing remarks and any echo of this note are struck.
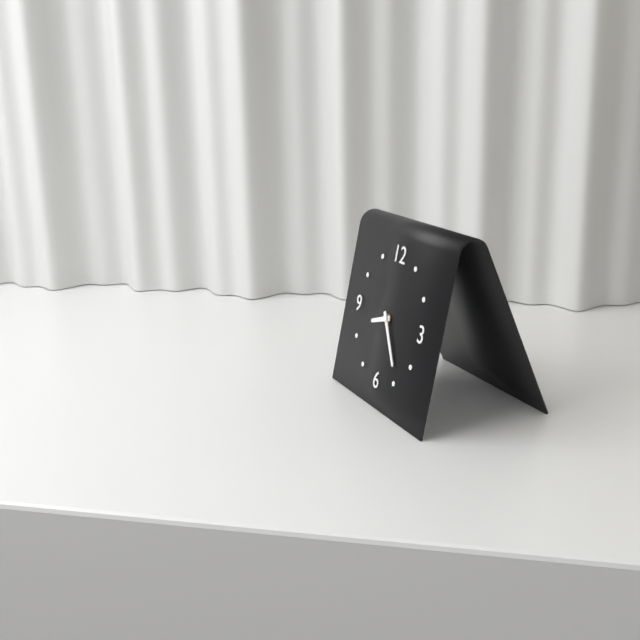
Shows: 8:24
